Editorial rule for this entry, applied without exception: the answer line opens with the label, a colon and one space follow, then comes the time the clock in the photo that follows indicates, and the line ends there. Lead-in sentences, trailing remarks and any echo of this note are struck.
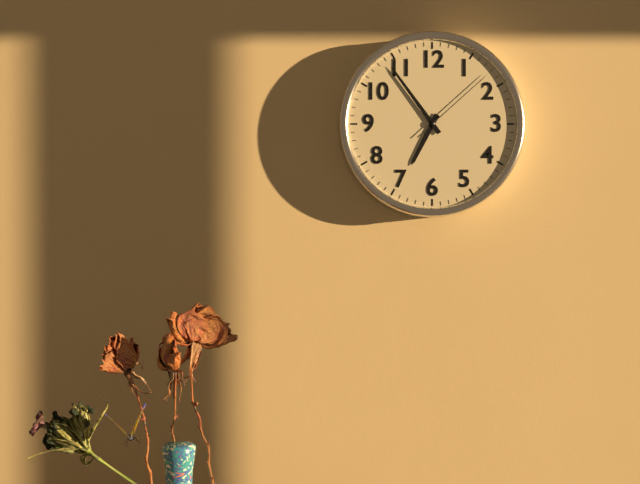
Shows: 6:54:08
